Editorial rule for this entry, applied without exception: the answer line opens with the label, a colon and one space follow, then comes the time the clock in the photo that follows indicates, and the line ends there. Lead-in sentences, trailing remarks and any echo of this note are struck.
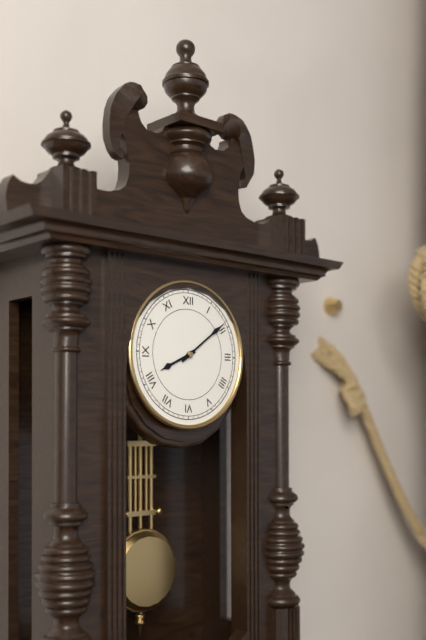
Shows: 8:09
